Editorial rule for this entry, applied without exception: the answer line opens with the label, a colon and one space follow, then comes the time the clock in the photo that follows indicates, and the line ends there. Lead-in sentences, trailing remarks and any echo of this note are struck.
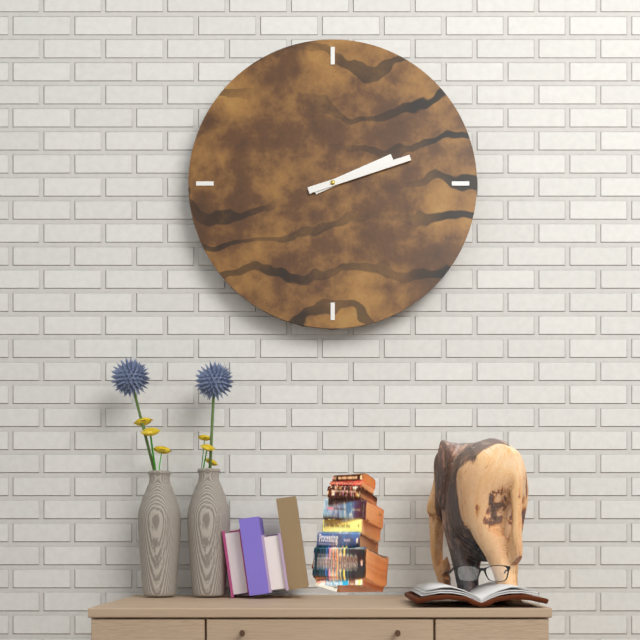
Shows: 2:12
